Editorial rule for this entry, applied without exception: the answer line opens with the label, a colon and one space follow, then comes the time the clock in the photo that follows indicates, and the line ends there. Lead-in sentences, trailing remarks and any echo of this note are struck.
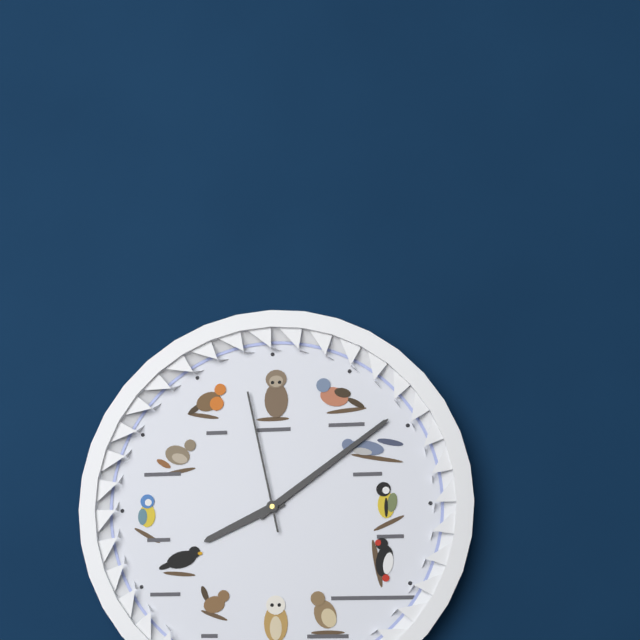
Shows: 8:09:58
